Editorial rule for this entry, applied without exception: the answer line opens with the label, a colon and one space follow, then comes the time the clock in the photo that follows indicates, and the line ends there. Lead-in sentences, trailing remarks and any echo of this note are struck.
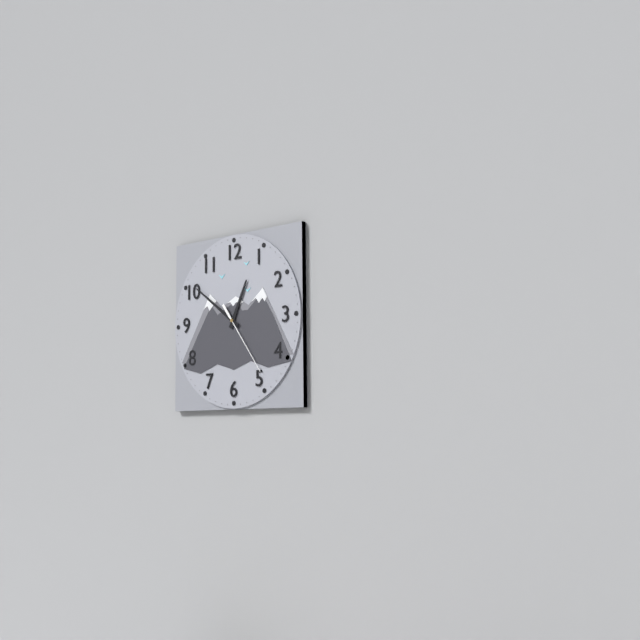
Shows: 12:51:24
